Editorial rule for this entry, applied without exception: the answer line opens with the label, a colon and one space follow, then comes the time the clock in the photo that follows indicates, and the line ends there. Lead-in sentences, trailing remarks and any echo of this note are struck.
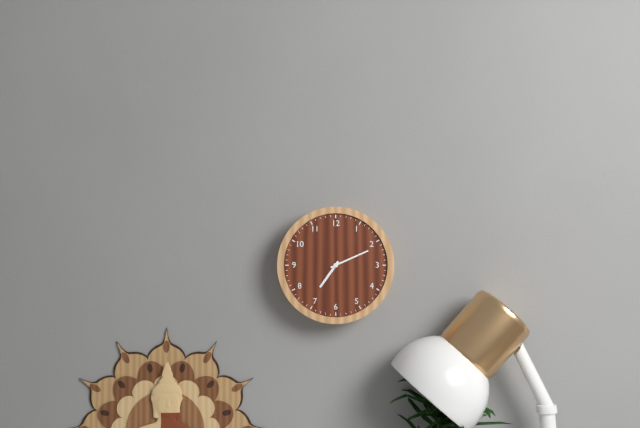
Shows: 7:11
